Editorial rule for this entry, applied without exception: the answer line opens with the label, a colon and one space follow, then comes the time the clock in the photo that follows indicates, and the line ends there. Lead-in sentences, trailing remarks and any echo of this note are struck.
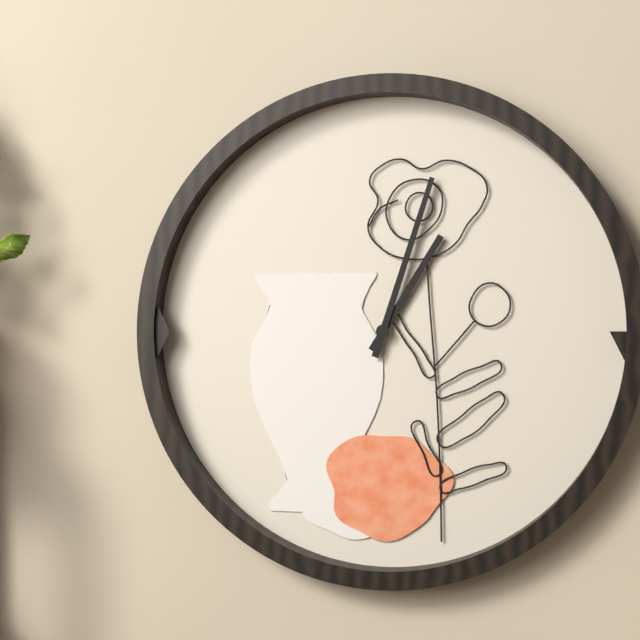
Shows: 1:03
